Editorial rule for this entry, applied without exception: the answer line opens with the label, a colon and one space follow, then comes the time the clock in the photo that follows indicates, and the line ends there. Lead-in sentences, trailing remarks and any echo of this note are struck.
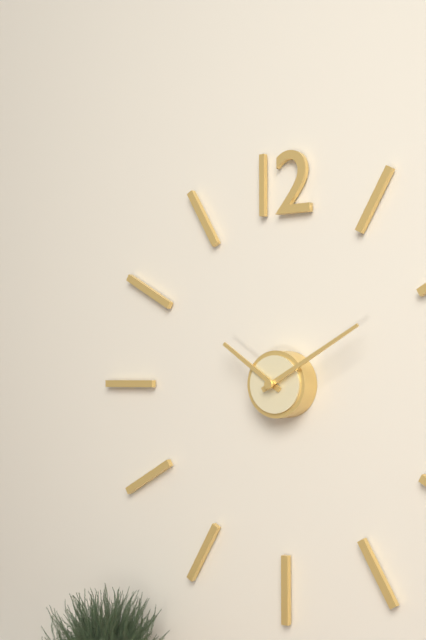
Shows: 10:10
